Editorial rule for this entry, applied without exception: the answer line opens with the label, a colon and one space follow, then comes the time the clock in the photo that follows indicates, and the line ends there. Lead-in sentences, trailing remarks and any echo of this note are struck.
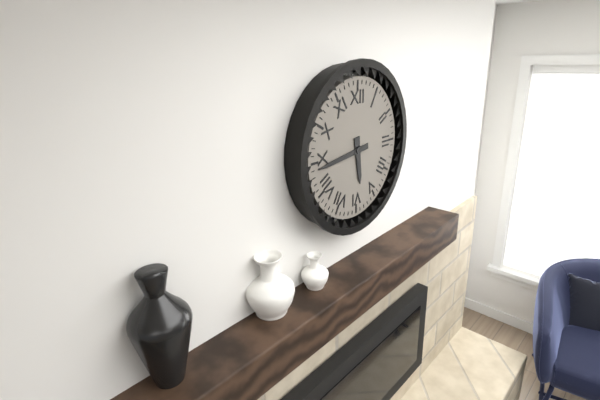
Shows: 5:44
